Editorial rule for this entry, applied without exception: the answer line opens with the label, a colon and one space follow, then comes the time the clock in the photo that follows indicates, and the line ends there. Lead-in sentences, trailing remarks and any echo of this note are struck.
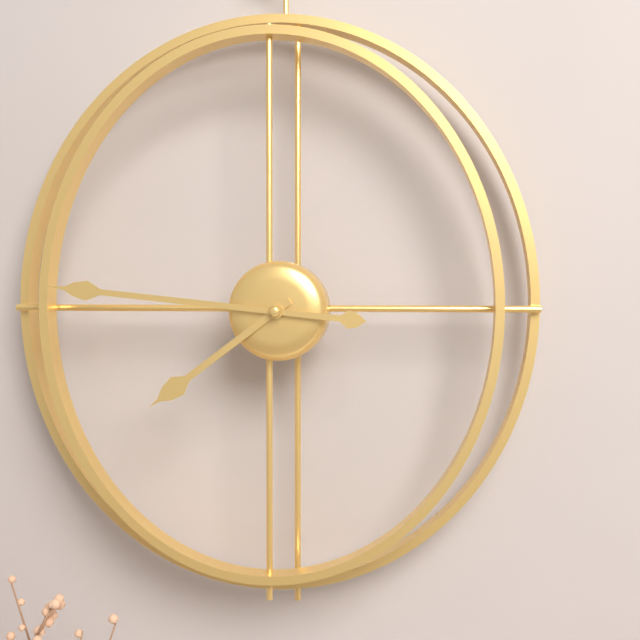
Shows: 7:46
